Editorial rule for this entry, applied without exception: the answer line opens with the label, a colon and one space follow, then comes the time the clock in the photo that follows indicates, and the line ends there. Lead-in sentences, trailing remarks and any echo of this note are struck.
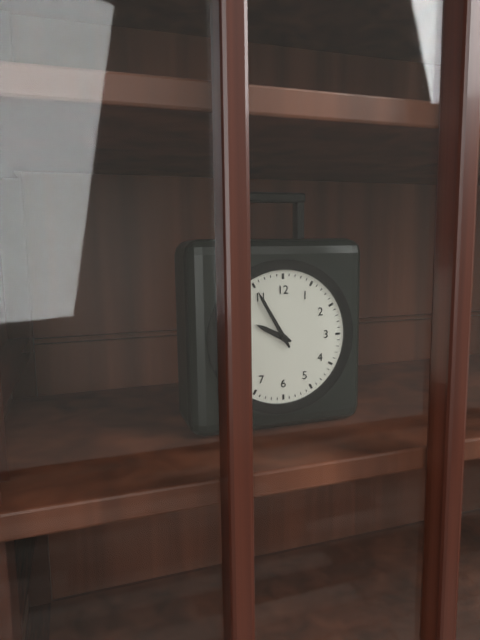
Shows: 9:55
